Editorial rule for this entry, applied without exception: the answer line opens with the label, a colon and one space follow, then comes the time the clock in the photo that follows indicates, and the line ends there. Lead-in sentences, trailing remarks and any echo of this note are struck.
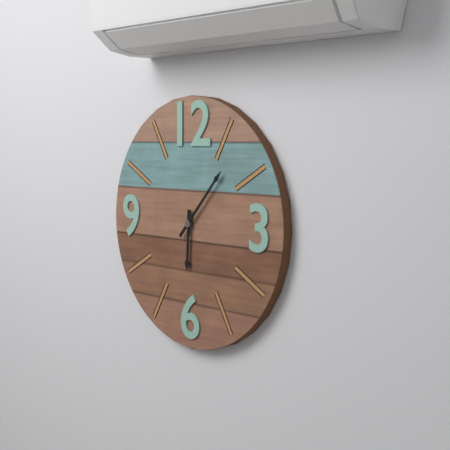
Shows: 6:07
